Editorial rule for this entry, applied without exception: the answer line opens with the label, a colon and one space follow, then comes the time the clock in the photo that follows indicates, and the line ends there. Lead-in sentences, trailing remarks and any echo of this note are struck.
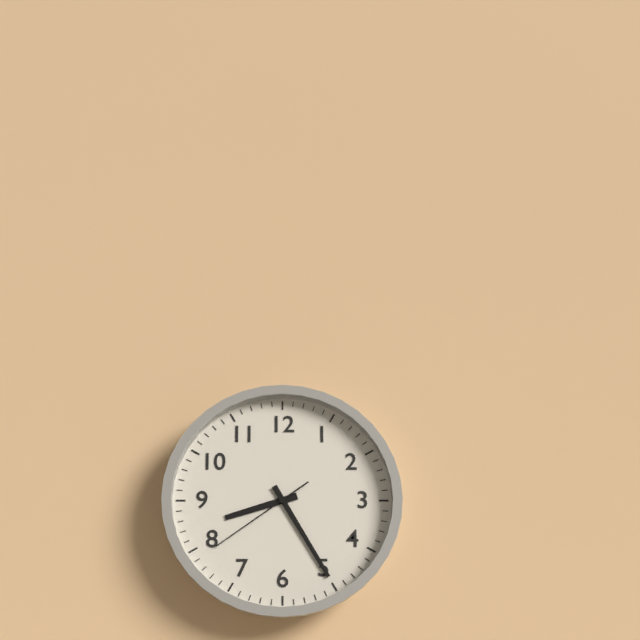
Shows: 8:25:39
